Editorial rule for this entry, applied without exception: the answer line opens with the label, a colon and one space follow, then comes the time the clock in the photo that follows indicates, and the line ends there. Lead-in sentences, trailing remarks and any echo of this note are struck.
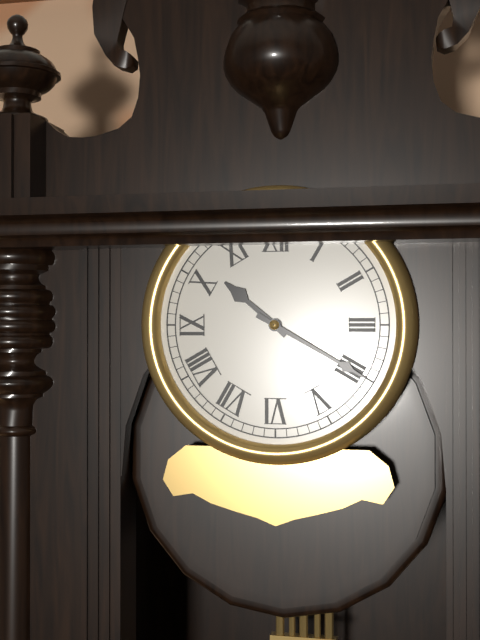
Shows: 10:20
